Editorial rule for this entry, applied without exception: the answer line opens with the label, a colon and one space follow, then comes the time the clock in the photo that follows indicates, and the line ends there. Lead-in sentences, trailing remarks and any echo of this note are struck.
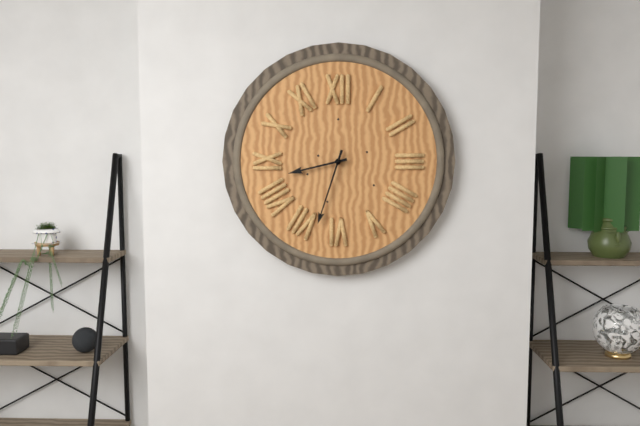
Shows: 8:33
